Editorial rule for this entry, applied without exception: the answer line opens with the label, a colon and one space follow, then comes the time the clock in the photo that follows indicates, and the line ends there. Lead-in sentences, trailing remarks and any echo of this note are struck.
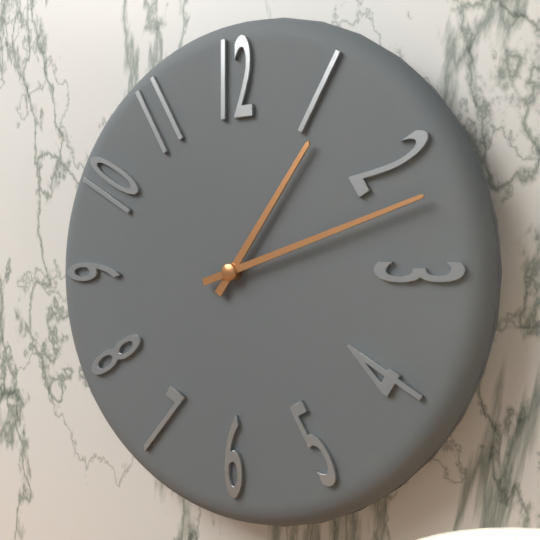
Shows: 1:12
